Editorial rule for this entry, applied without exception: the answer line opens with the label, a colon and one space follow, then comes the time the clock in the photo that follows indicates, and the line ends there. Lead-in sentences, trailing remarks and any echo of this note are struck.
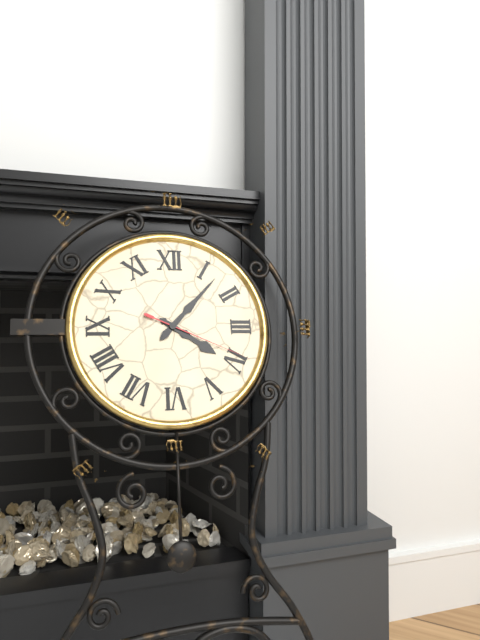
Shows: 4:07:19
